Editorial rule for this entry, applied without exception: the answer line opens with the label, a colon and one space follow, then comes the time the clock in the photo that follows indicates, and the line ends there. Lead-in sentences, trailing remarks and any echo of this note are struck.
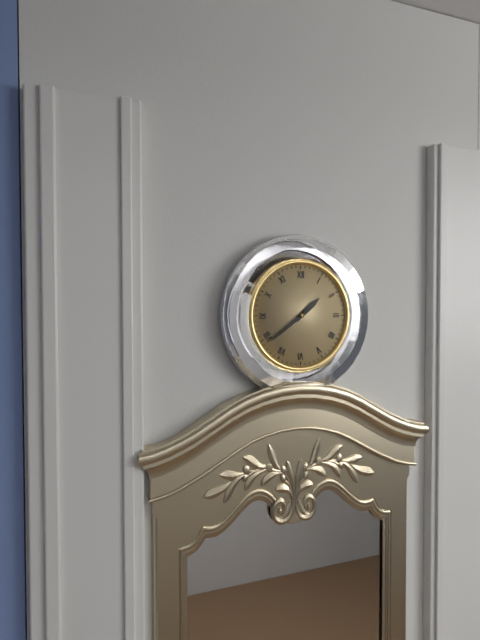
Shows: 1:39
